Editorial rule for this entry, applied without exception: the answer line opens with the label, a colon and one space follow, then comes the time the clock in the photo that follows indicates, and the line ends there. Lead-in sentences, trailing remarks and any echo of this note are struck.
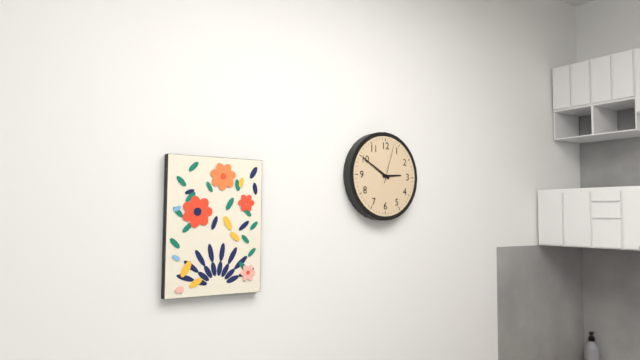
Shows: 2:50
